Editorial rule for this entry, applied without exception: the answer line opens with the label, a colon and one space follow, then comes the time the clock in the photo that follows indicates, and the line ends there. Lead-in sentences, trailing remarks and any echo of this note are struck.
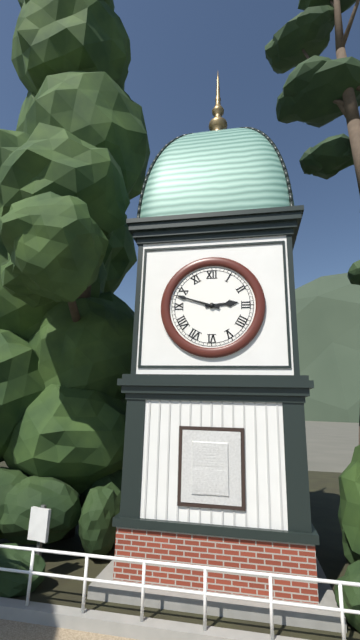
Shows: 2:48
